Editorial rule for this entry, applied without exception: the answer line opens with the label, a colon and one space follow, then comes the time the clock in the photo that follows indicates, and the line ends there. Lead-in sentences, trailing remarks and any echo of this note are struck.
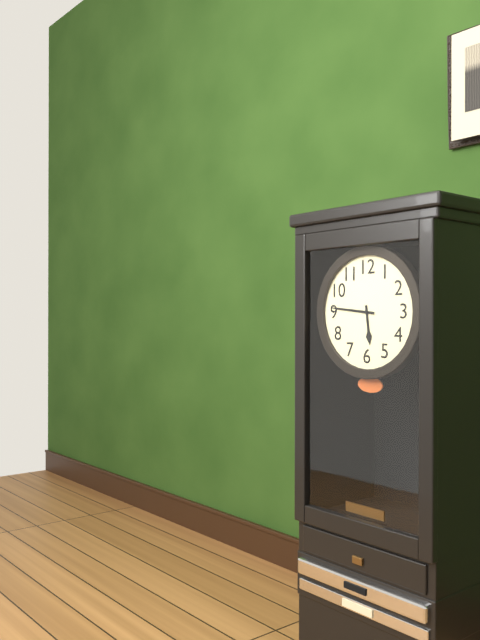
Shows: 5:46
